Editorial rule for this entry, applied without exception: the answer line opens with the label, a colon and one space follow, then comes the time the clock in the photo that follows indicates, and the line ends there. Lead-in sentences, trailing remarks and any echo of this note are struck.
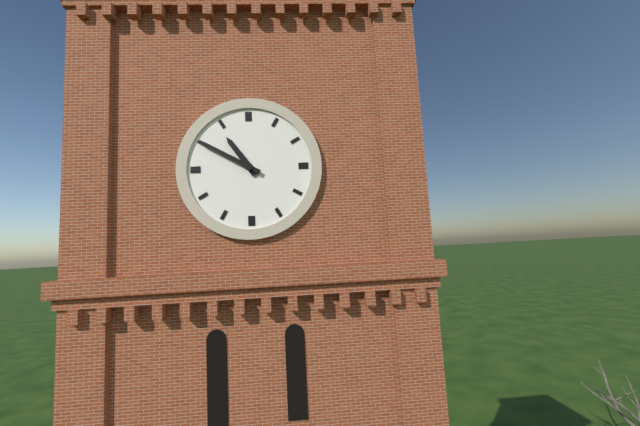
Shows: 10:50
